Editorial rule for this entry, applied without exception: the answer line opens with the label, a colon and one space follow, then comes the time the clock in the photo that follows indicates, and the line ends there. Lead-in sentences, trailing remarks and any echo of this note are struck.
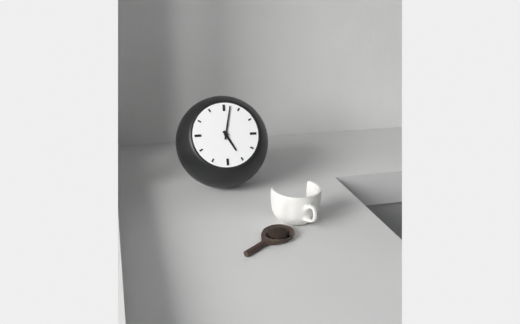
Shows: 5:02
